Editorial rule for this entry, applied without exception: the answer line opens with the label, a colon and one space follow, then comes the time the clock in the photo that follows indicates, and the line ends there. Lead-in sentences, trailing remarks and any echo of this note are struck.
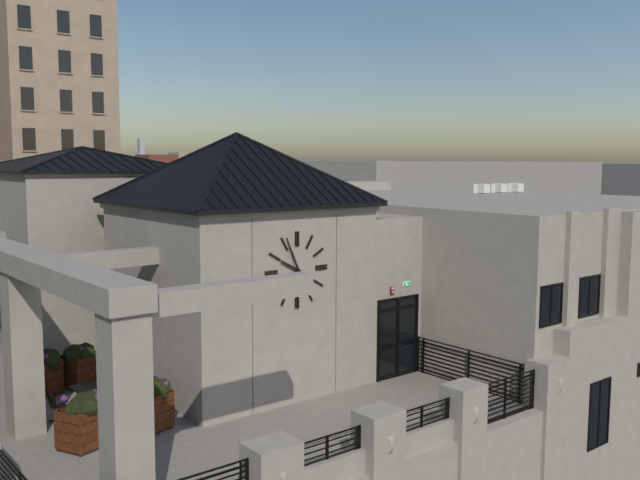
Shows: 9:56
